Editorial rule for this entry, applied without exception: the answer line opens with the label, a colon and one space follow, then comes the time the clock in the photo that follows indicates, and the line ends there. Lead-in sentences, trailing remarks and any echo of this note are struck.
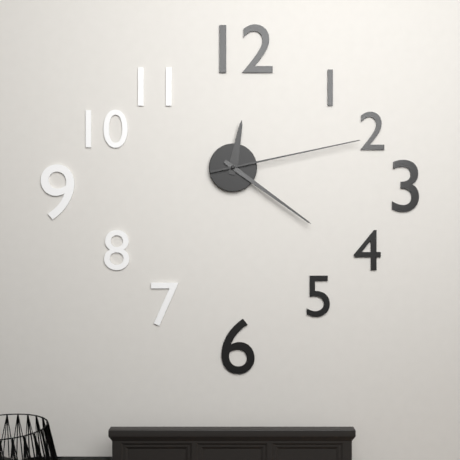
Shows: 12:21:13
